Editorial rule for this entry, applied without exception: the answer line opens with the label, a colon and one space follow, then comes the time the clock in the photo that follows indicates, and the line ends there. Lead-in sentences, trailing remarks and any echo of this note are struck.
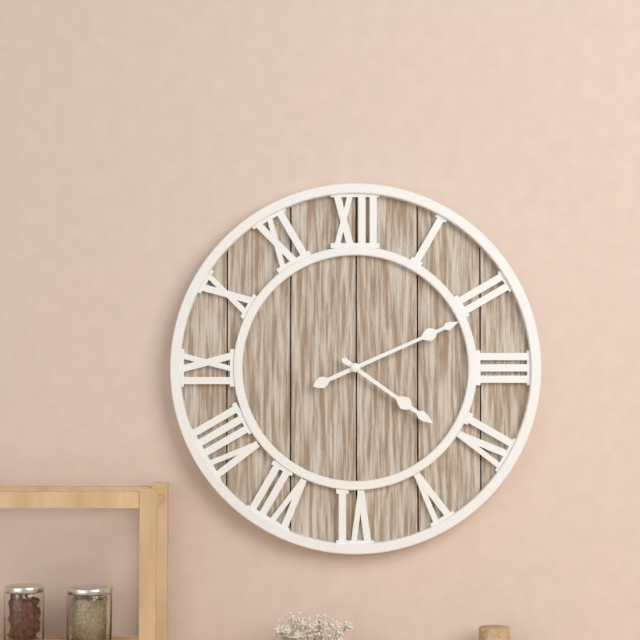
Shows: 4:11
